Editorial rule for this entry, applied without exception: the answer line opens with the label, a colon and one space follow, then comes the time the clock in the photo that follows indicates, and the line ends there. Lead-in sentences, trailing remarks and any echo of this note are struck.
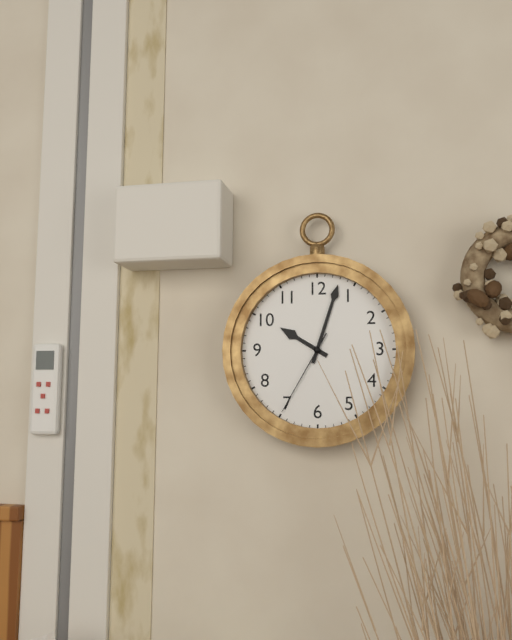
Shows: 10:03:35
